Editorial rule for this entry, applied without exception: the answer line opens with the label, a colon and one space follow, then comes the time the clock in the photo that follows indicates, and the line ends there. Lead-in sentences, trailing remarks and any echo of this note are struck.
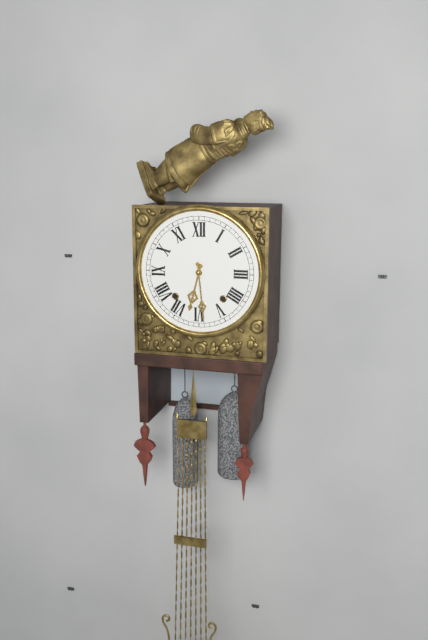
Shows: 6:29
